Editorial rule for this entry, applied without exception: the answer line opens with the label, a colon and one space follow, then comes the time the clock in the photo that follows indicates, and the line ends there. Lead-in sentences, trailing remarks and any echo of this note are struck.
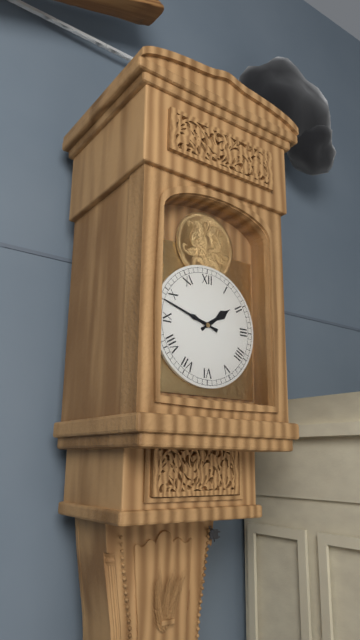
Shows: 1:48
